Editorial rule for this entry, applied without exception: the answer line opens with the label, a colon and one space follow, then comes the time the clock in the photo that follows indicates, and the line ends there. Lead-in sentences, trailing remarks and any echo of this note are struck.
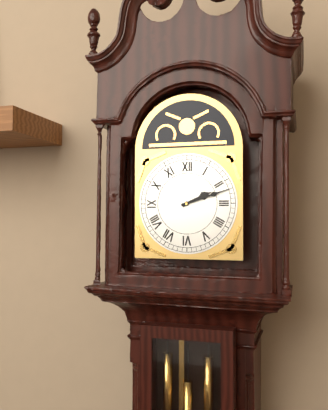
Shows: 2:12
